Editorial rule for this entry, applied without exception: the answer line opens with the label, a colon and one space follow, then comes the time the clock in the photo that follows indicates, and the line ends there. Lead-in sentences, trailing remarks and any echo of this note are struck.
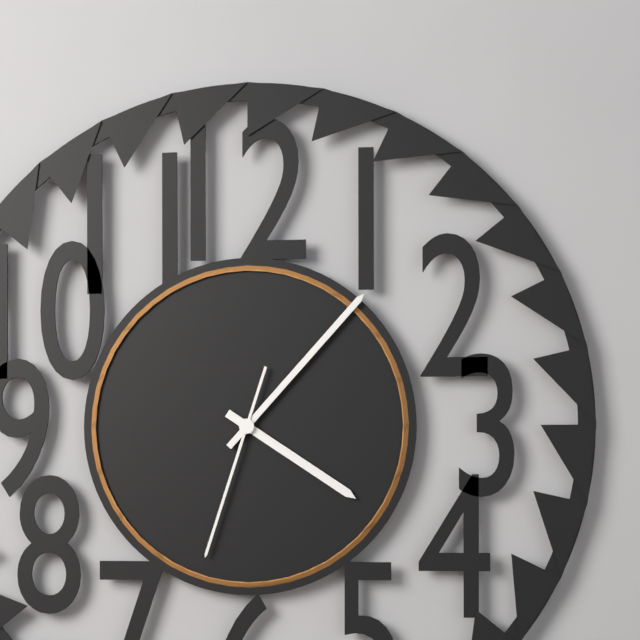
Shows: 4:07:33
